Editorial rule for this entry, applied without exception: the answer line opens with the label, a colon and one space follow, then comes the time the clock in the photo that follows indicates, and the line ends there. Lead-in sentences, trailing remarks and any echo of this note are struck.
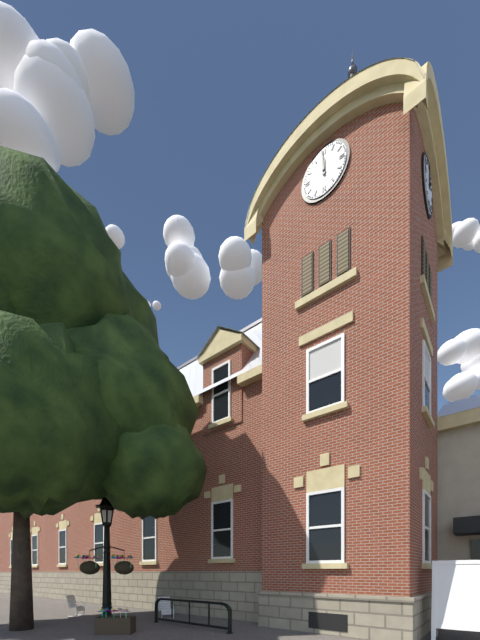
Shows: 11:59
